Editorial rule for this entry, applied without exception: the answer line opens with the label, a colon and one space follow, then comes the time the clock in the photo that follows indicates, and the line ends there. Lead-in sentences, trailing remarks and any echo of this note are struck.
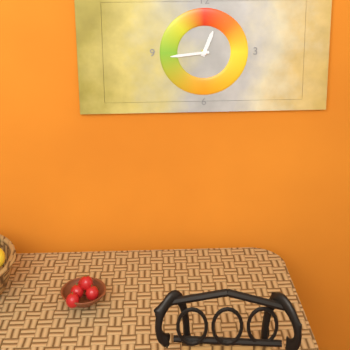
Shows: 12:44
